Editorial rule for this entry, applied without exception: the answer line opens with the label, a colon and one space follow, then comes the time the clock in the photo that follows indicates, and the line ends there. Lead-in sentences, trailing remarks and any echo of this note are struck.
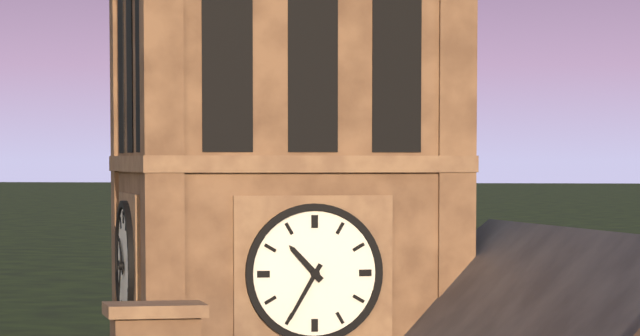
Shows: 10:35
